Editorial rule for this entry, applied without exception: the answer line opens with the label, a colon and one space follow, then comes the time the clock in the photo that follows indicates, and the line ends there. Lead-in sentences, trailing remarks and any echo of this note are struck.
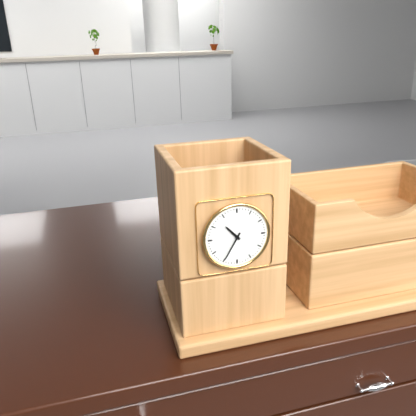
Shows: 10:35
